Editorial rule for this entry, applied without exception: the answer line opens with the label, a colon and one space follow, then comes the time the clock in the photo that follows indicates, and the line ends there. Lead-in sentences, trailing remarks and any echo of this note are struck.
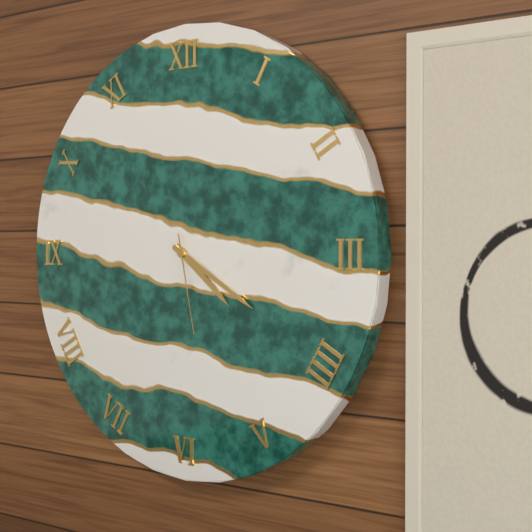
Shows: 4:20:28
